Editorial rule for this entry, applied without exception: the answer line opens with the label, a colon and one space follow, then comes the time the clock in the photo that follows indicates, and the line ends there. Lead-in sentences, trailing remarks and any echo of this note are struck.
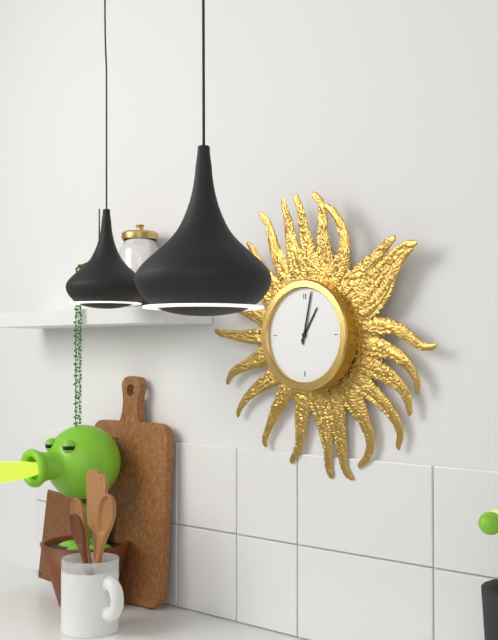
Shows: 1:02
